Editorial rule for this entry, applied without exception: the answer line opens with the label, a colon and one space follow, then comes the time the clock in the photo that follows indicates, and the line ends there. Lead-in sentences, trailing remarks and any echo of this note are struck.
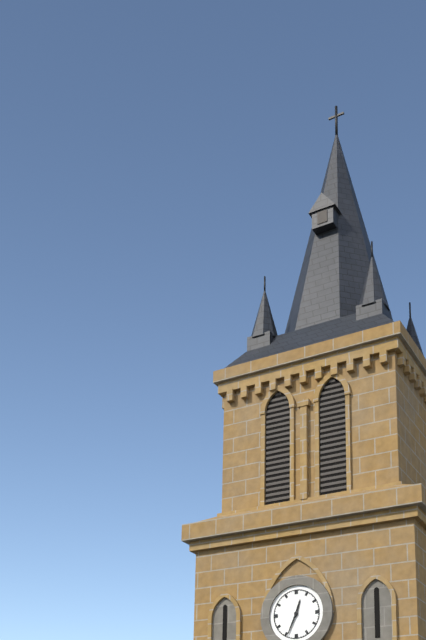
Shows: 12:34
